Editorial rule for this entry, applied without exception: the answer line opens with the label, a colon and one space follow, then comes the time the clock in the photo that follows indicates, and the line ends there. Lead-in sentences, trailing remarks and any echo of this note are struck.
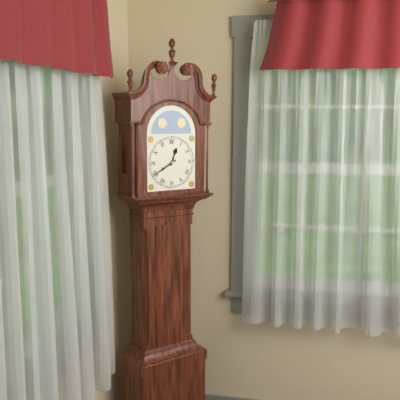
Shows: 12:40
